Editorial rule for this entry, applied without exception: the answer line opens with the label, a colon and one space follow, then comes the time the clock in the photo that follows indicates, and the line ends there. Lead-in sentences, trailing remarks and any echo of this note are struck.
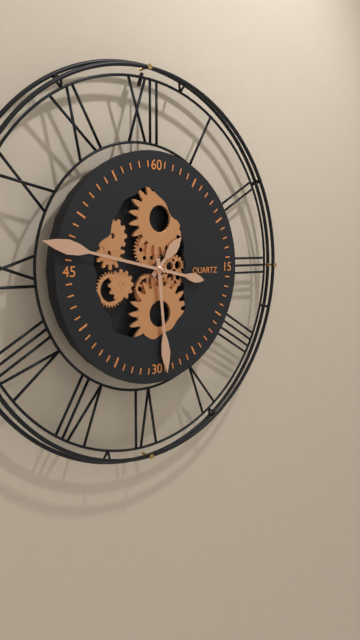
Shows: 1:29:47
